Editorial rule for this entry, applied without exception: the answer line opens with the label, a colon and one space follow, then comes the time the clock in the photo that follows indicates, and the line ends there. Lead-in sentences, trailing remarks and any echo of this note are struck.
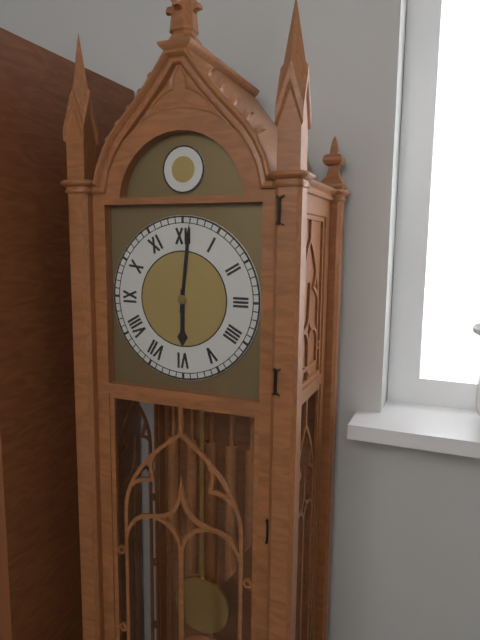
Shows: 6:01
